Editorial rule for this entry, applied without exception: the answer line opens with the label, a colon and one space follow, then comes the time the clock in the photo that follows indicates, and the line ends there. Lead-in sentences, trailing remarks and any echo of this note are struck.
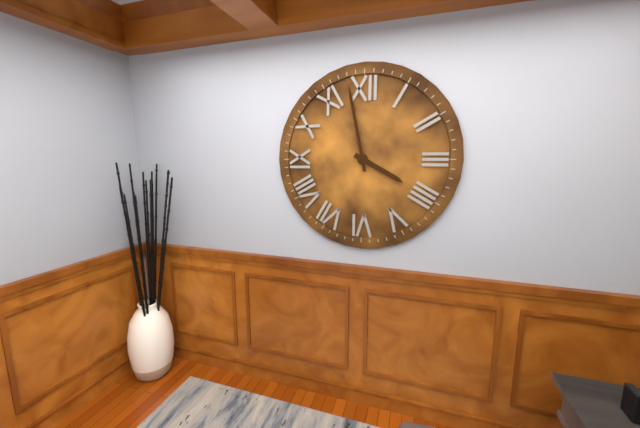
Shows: 3:58
